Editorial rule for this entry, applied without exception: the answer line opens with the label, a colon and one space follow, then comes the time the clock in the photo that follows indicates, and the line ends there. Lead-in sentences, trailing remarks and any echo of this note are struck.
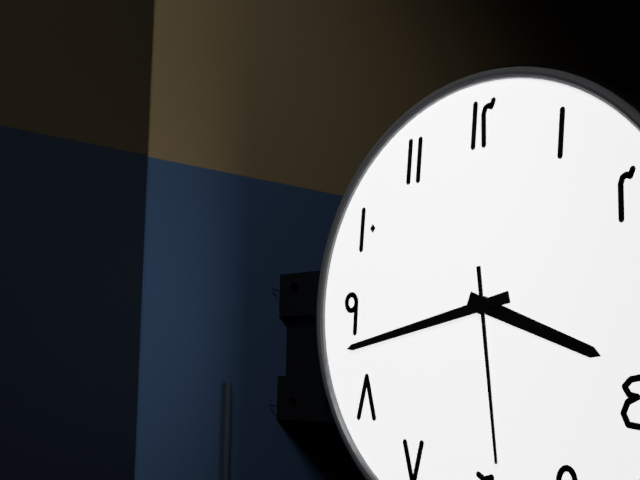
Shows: 3:43:29
